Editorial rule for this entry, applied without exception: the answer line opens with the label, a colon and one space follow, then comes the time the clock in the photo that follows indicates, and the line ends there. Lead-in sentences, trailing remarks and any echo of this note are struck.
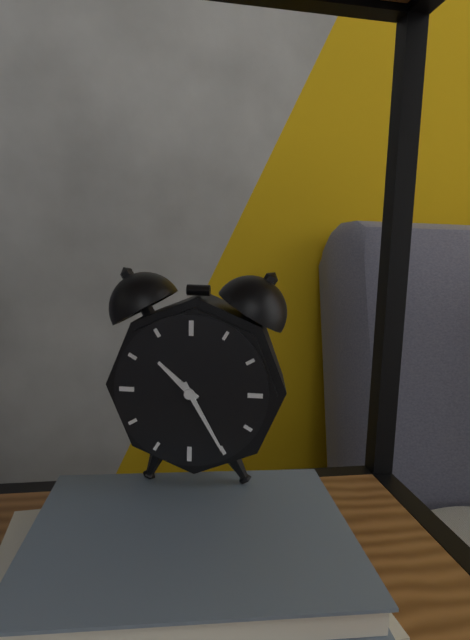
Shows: 10:25
